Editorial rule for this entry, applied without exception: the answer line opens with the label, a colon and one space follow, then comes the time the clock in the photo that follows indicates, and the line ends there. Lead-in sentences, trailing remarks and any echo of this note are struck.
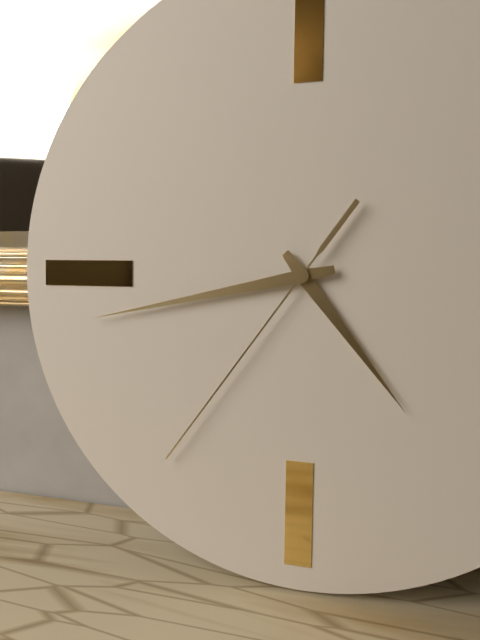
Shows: 4:43:36
